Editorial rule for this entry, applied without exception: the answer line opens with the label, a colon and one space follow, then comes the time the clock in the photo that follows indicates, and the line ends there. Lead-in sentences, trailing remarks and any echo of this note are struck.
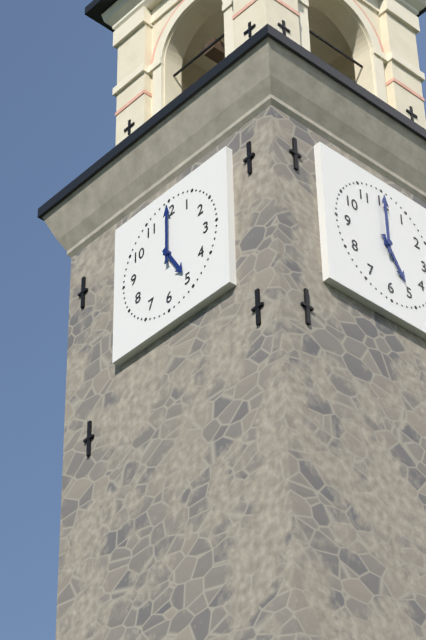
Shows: 5:00
